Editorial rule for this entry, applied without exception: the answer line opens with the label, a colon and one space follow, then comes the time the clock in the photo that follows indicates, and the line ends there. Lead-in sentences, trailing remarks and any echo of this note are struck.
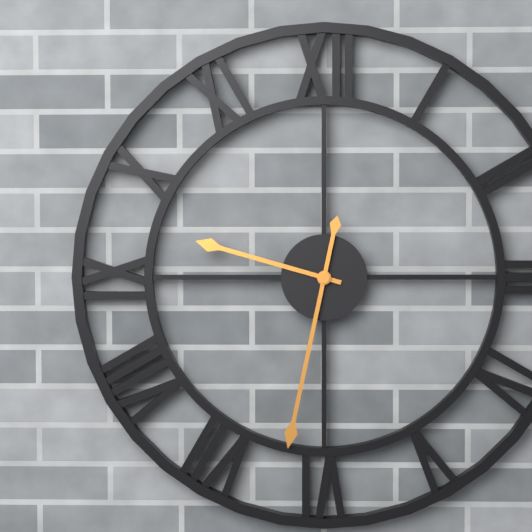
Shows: 9:32
